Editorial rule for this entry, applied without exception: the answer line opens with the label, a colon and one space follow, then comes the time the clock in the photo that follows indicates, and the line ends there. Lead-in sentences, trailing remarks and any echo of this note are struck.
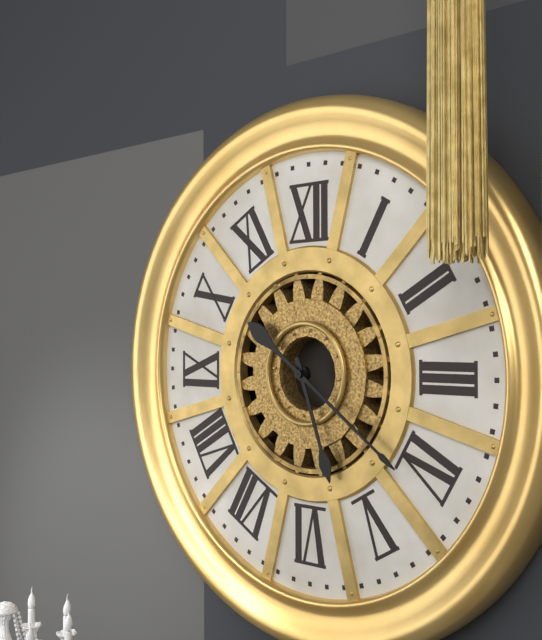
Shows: 5:21
